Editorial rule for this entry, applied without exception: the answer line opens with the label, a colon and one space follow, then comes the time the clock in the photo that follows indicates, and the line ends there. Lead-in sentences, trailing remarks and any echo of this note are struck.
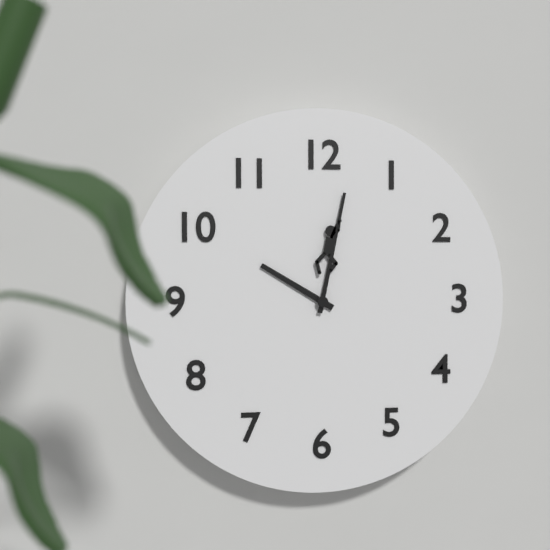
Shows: 10:02
